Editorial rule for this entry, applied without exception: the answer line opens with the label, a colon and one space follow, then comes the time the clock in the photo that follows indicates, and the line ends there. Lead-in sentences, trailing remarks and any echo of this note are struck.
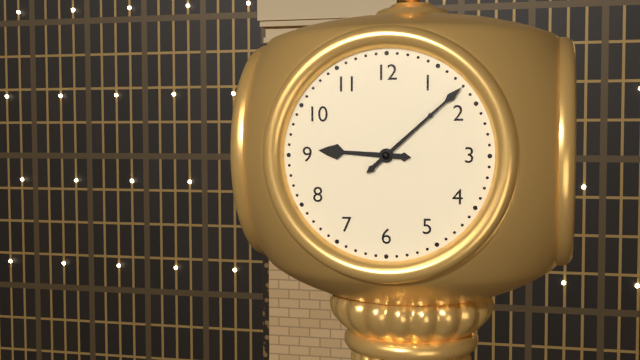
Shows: 9:08
